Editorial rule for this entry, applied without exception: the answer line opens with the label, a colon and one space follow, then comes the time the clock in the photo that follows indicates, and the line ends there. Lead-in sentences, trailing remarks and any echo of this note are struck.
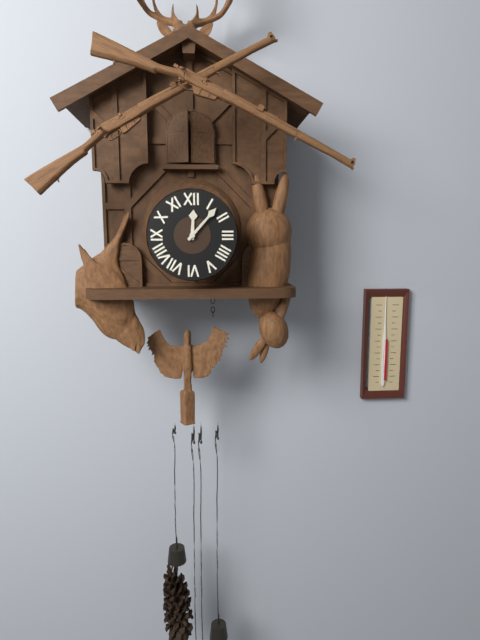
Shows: 12:07
